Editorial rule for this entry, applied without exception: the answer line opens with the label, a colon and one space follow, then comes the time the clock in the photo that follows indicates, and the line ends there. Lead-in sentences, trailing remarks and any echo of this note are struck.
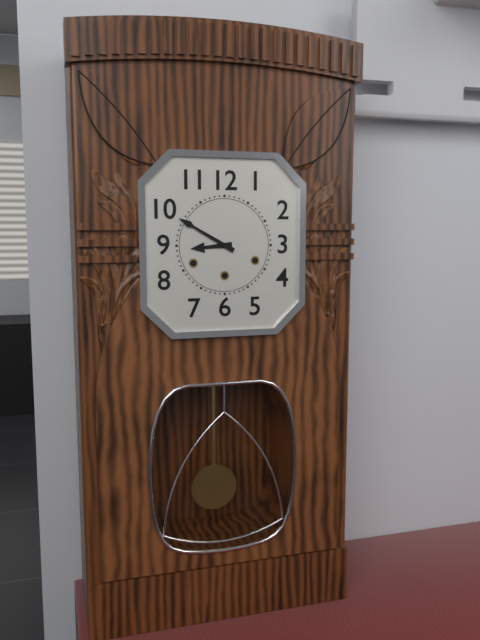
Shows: 8:50
